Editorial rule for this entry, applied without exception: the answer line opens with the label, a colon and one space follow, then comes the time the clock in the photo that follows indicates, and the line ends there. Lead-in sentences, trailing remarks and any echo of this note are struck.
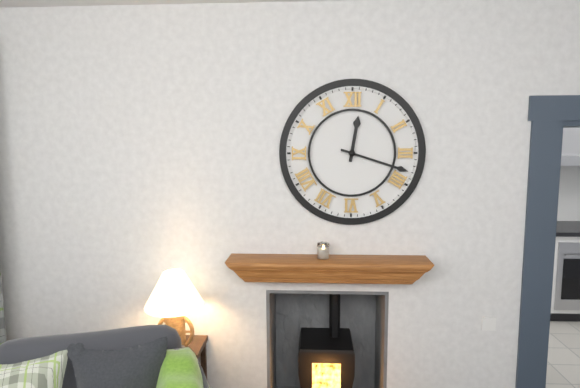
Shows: 12:18
